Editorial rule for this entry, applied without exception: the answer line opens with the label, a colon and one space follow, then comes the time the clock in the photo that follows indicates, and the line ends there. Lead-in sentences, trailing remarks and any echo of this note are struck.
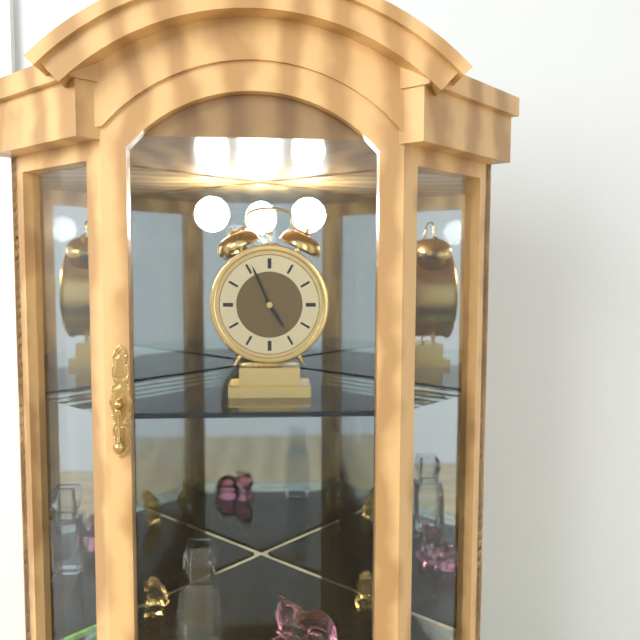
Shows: 4:56
